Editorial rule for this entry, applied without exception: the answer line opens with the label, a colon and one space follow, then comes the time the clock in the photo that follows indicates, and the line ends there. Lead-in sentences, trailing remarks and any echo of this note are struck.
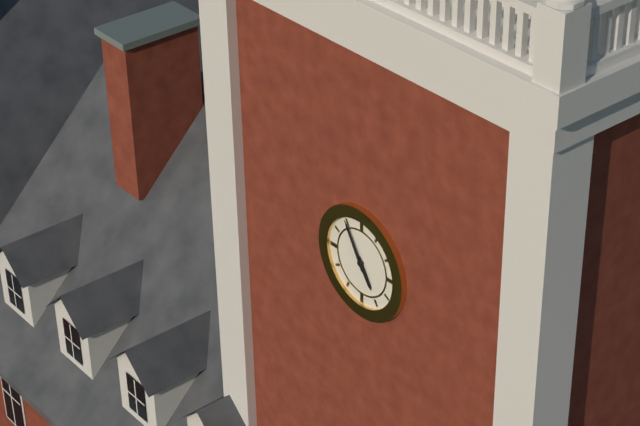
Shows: 4:55
